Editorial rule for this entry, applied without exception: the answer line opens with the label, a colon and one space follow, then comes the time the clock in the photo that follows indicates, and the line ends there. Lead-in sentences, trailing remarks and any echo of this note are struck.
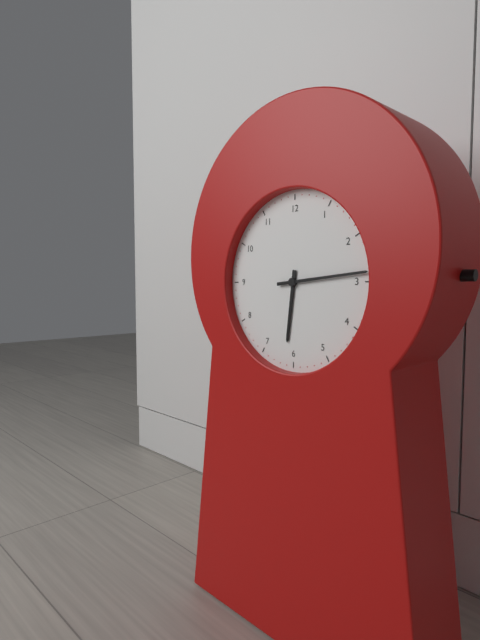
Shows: 6:14
